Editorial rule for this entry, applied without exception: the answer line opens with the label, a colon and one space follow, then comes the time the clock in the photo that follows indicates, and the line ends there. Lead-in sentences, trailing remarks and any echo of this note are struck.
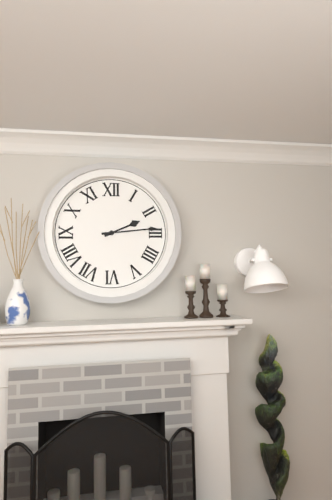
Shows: 2:14
